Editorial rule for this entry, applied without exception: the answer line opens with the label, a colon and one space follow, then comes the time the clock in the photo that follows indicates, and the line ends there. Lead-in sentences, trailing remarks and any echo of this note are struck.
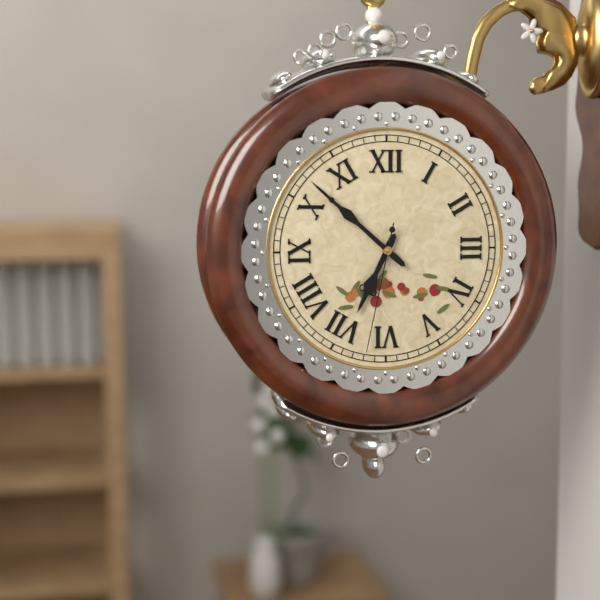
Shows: 6:52:32
